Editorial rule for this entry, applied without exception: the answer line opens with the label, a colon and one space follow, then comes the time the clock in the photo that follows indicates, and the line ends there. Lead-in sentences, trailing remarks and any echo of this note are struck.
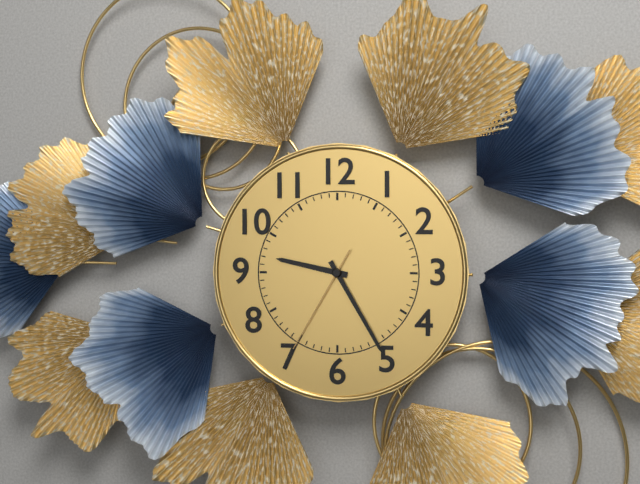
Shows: 9:25:35
